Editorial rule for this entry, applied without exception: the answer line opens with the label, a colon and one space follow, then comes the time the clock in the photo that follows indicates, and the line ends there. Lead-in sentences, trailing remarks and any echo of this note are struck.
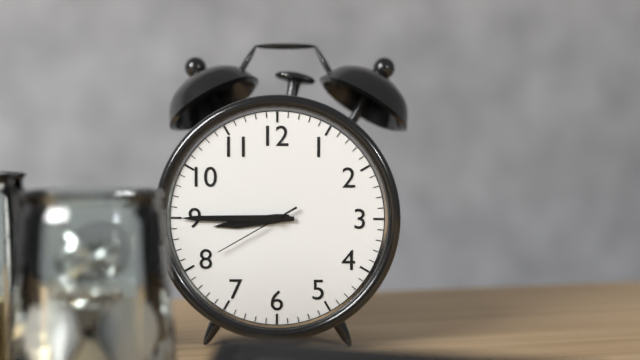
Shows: 8:45:40
